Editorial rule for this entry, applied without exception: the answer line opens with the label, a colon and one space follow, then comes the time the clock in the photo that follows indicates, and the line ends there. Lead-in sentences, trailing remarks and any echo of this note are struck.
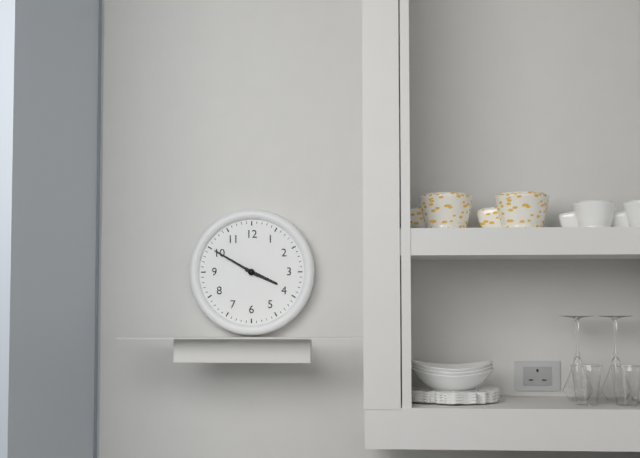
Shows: 3:50
